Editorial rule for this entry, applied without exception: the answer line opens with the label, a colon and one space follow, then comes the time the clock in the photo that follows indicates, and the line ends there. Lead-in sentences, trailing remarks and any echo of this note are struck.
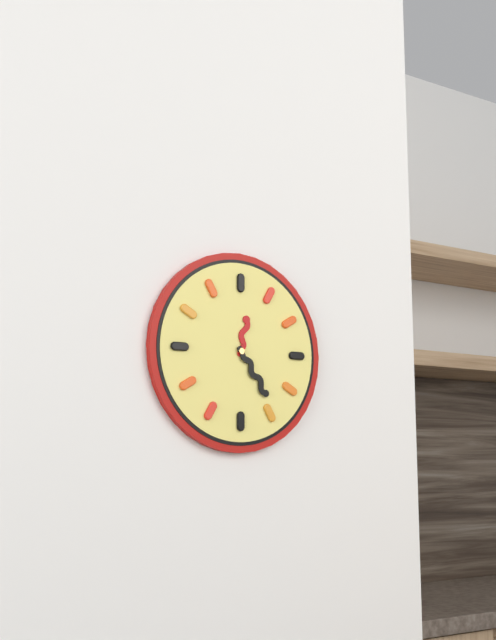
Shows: 12:24
